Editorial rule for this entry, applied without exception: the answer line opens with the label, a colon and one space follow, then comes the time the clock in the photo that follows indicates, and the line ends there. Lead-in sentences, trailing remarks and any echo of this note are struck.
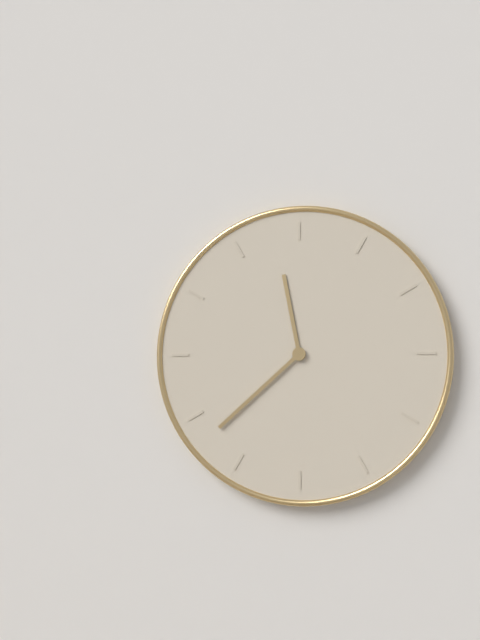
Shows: 11:38
